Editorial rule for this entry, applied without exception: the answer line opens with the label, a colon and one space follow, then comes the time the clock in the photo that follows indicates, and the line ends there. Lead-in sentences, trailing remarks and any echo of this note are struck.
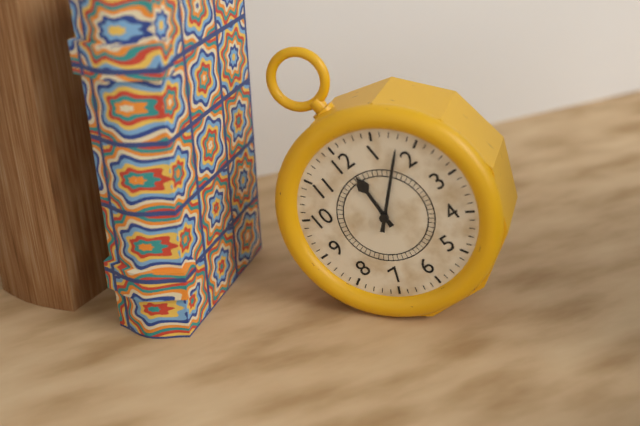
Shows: 12:08
